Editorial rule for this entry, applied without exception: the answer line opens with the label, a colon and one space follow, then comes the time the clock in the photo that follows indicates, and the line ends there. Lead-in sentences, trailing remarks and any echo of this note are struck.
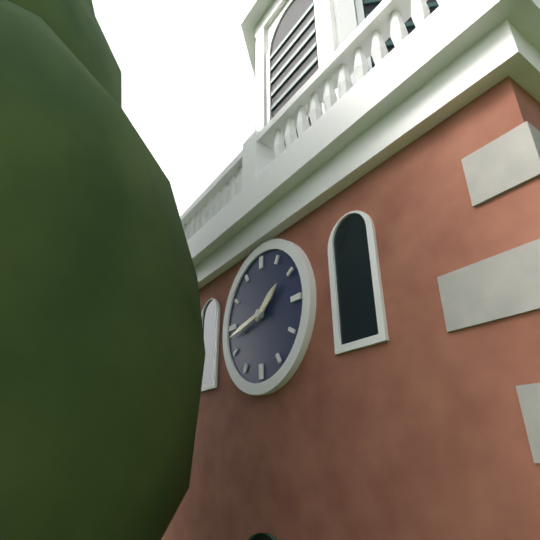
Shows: 1:43
